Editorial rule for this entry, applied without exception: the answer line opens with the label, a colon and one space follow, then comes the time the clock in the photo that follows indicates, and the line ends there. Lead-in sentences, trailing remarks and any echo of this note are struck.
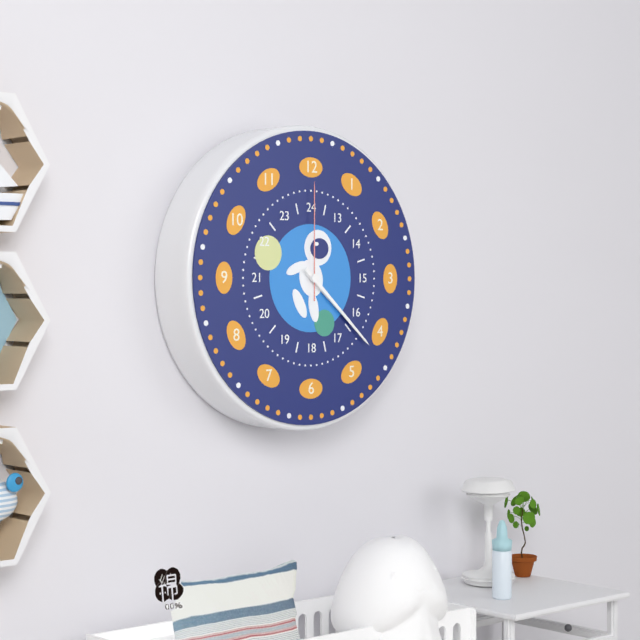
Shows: 4:22:00
